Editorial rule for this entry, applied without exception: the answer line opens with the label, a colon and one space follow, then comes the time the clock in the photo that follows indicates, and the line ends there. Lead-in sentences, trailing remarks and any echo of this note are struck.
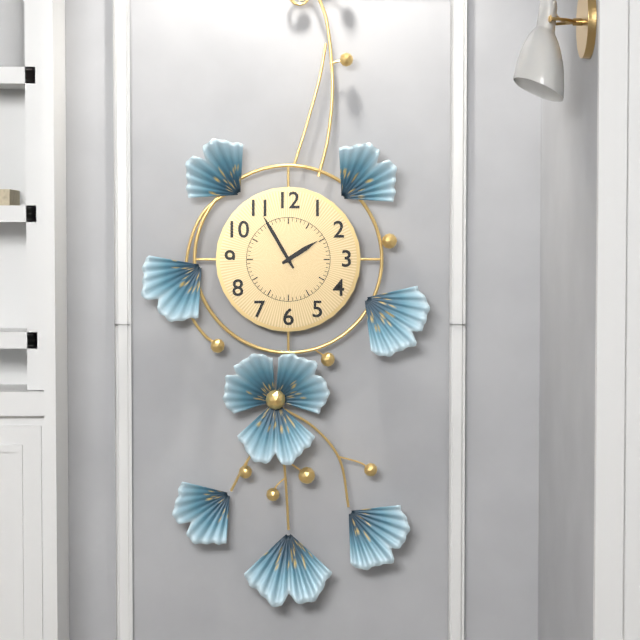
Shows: 1:55
